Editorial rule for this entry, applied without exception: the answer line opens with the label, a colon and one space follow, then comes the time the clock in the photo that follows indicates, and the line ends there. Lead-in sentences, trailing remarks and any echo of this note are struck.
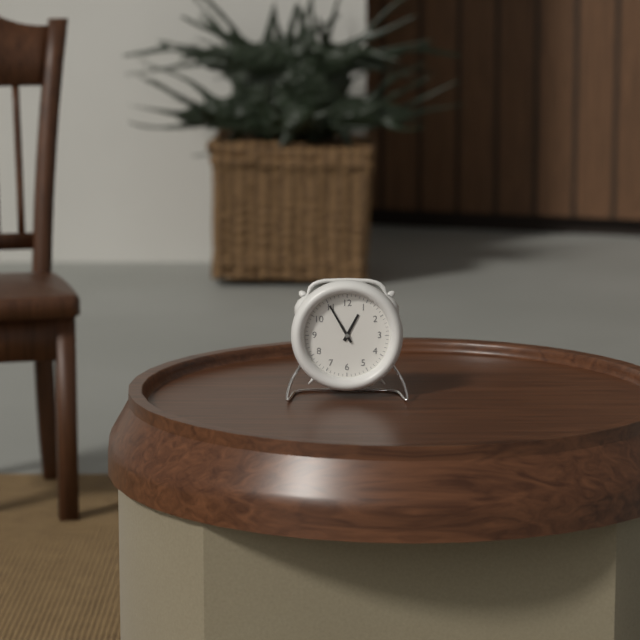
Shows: 12:55
